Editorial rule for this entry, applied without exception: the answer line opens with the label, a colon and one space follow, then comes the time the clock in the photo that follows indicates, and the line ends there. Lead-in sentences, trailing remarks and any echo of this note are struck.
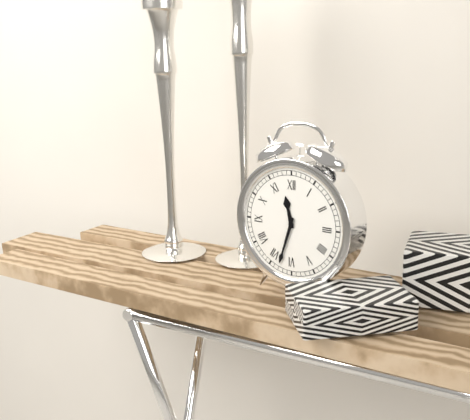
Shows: 11:33
